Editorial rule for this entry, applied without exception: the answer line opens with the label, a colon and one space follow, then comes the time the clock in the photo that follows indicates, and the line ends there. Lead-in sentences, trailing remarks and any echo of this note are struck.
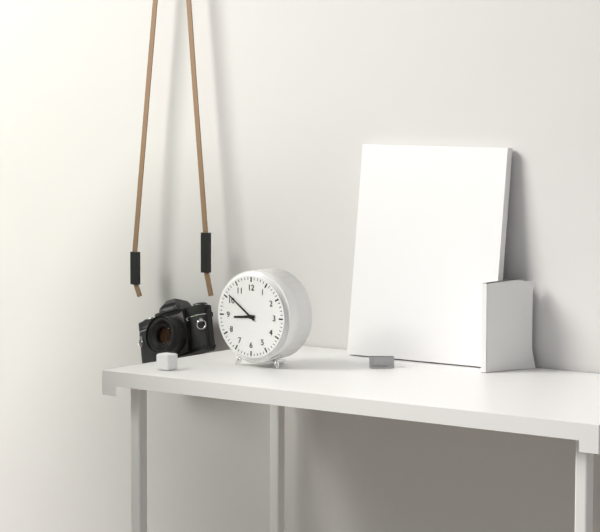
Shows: 8:51
